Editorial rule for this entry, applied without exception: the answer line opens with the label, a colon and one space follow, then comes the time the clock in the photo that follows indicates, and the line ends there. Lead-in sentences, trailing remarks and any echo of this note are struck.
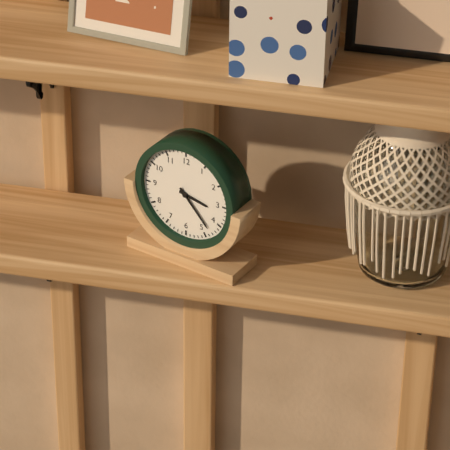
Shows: 3:23
